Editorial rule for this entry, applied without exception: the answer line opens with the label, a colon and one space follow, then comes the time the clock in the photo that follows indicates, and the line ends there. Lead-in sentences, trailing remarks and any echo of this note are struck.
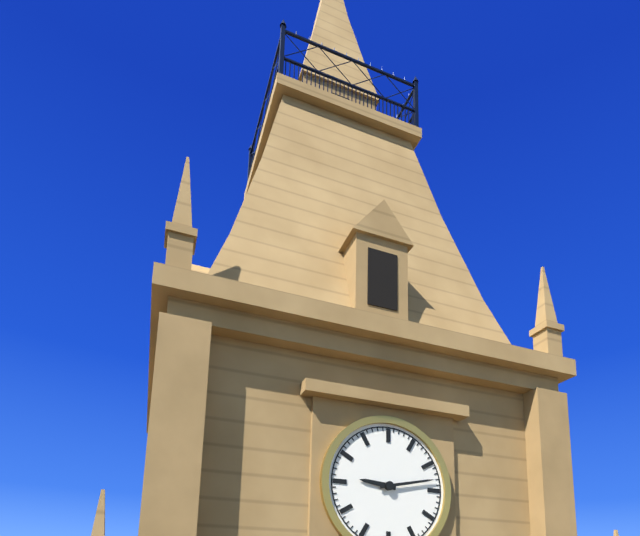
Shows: 9:13
